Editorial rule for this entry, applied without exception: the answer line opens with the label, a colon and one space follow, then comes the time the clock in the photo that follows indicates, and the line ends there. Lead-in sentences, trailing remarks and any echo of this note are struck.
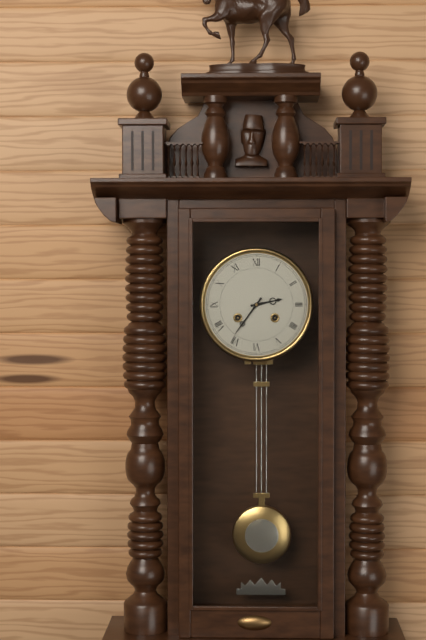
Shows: 2:36
